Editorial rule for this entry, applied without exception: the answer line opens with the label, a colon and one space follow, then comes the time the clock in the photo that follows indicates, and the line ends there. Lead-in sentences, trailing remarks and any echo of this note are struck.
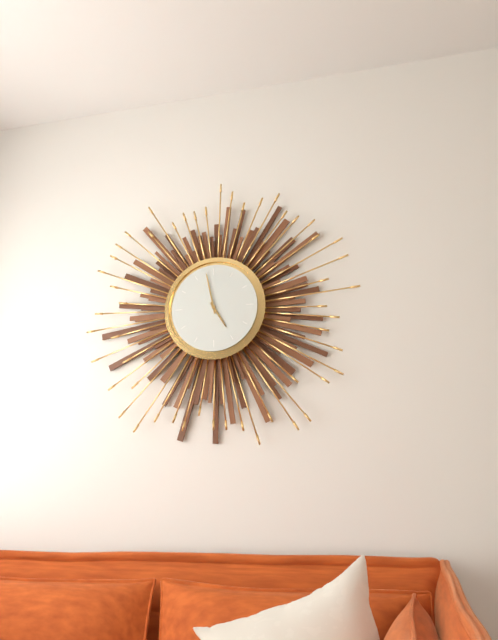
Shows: 4:58
